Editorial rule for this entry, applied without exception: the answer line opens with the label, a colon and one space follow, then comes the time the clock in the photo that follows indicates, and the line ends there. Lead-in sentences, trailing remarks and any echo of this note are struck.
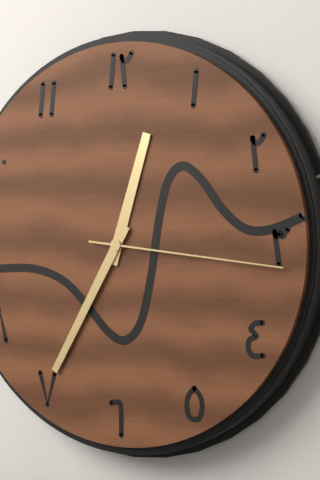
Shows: 12:35:16
